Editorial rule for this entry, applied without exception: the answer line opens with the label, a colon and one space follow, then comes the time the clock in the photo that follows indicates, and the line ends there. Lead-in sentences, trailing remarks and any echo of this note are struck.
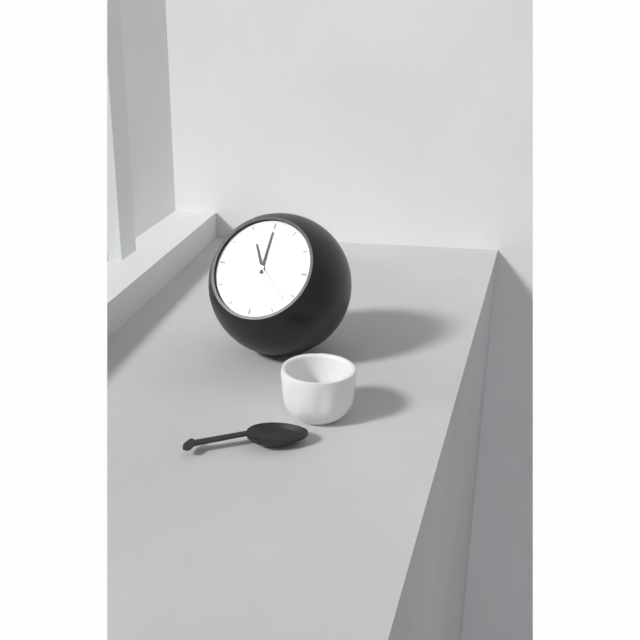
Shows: 11:00
